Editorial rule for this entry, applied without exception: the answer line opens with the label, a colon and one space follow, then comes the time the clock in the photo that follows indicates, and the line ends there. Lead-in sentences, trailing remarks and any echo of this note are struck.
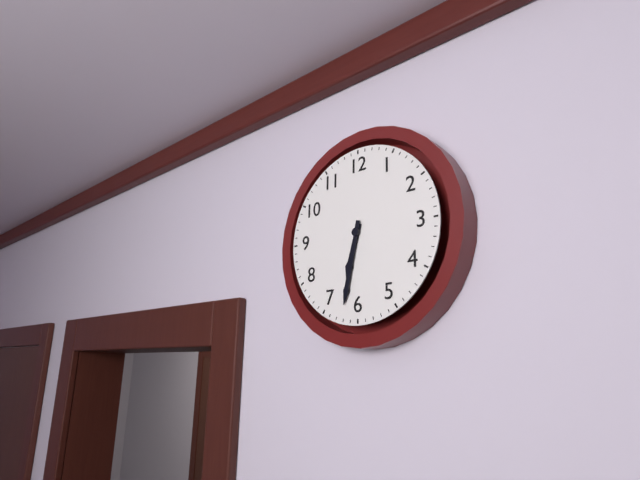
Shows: 6:32
